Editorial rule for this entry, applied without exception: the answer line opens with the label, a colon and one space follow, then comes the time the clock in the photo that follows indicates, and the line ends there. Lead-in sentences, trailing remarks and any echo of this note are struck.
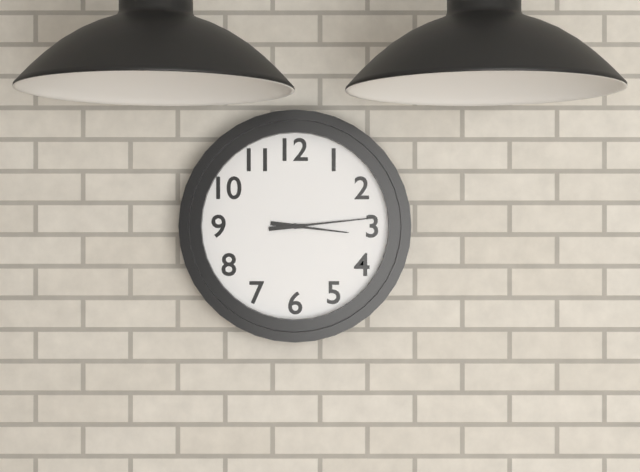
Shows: 3:14
